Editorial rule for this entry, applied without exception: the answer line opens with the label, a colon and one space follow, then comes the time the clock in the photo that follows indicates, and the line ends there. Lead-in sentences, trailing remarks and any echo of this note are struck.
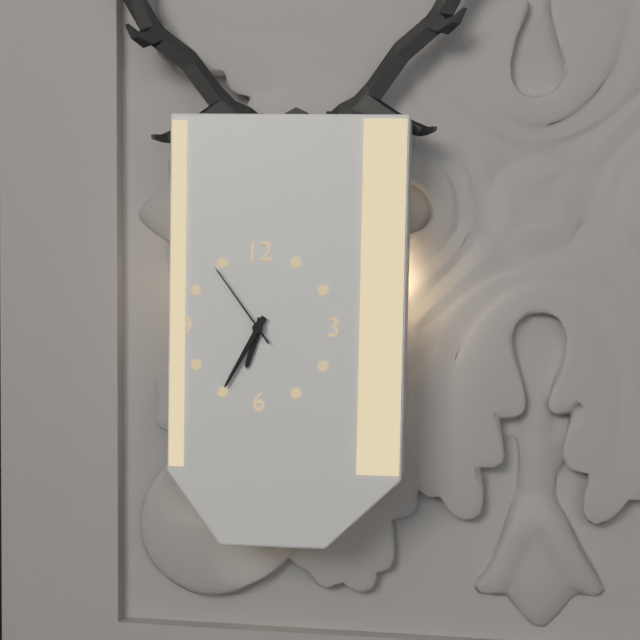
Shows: 6:35:54
